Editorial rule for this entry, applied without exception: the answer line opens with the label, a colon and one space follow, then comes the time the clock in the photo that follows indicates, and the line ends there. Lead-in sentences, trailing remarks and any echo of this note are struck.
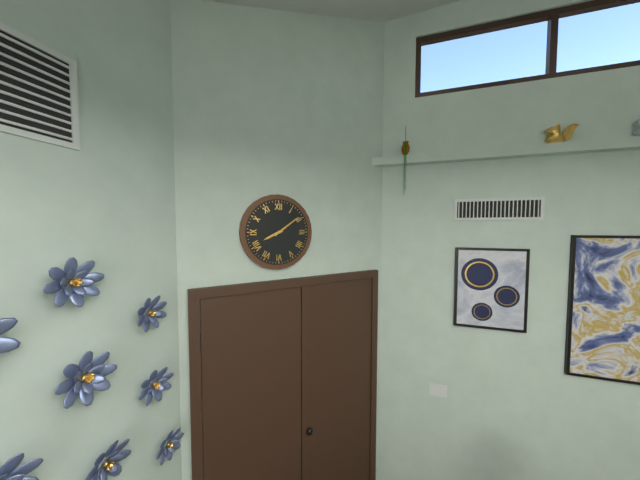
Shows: 8:09
